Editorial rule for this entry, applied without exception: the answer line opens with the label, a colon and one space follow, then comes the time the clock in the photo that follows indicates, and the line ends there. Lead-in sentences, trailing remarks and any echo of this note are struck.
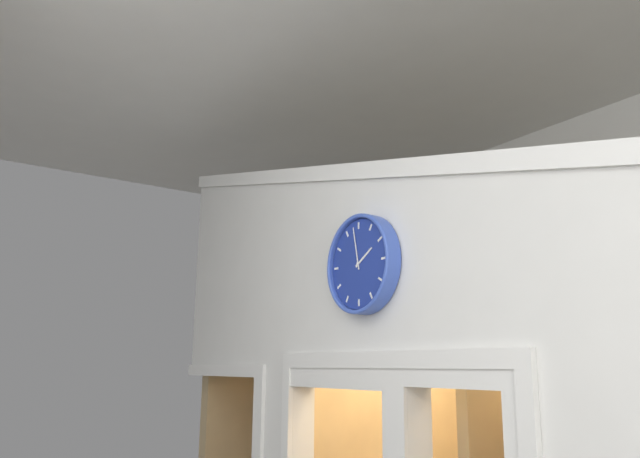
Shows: 1:58
